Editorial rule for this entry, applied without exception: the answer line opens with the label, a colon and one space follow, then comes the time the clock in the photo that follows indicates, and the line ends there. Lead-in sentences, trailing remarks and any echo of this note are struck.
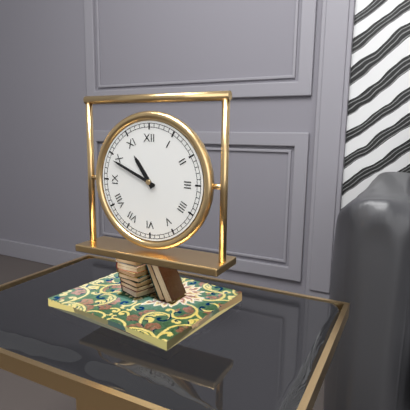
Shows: 10:49
